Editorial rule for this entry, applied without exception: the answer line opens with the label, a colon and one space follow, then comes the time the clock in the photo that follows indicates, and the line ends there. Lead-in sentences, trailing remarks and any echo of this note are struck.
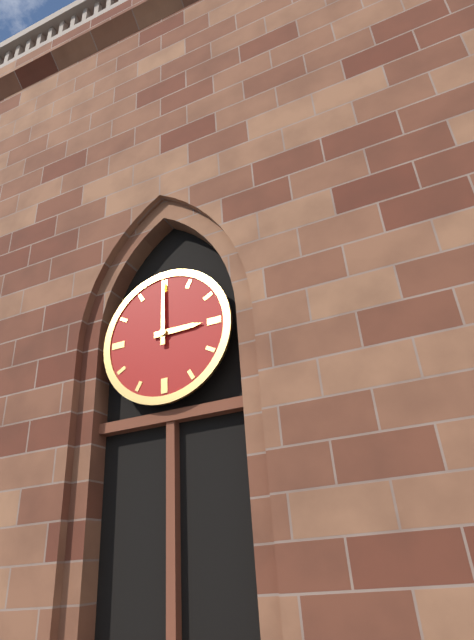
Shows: 3:00
